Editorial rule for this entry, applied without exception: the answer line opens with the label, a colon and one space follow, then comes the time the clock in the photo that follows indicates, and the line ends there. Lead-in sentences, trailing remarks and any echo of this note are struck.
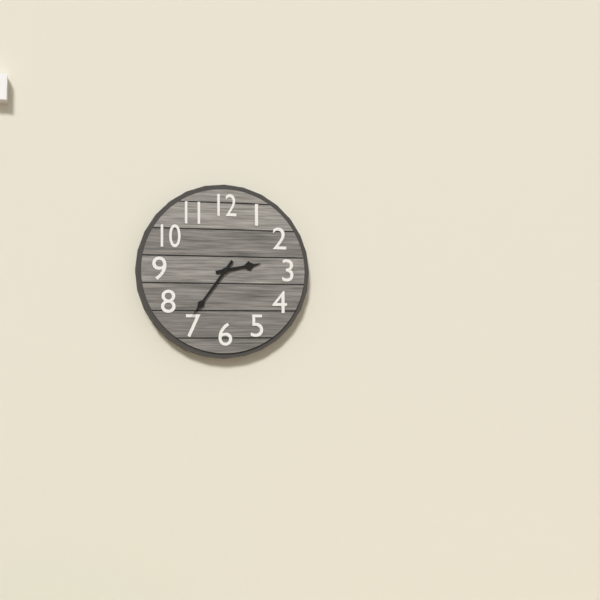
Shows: 2:36
